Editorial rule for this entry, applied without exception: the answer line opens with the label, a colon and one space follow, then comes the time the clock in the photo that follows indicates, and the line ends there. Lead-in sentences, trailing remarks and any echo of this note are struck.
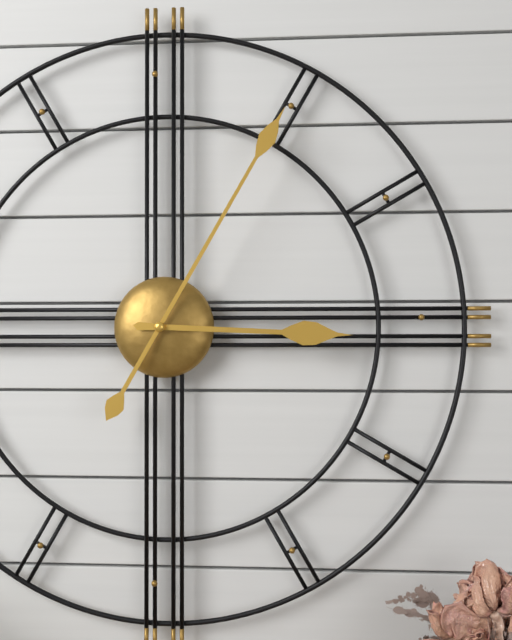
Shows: 3:05
